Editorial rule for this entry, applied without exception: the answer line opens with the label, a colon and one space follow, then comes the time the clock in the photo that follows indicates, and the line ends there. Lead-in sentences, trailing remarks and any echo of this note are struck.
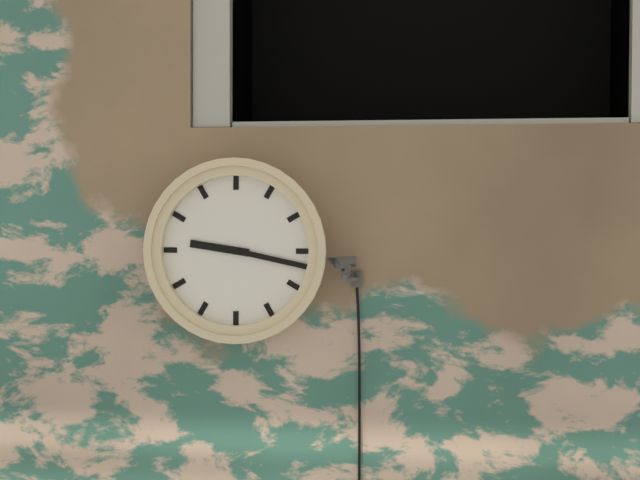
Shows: 9:17
